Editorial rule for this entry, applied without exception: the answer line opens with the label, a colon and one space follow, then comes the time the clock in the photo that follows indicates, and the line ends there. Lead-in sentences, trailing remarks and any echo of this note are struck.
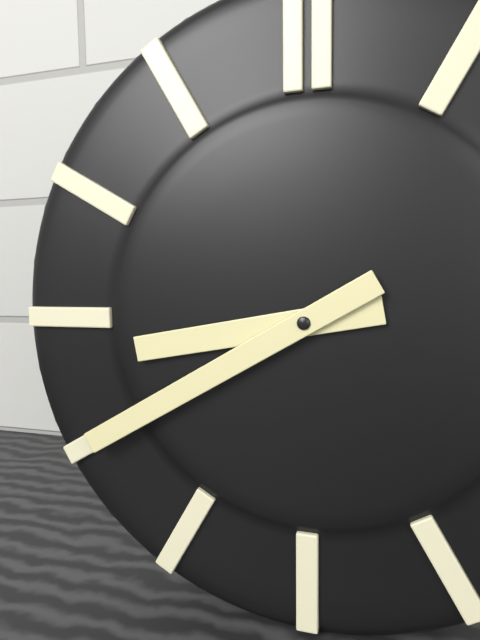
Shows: 8:40
